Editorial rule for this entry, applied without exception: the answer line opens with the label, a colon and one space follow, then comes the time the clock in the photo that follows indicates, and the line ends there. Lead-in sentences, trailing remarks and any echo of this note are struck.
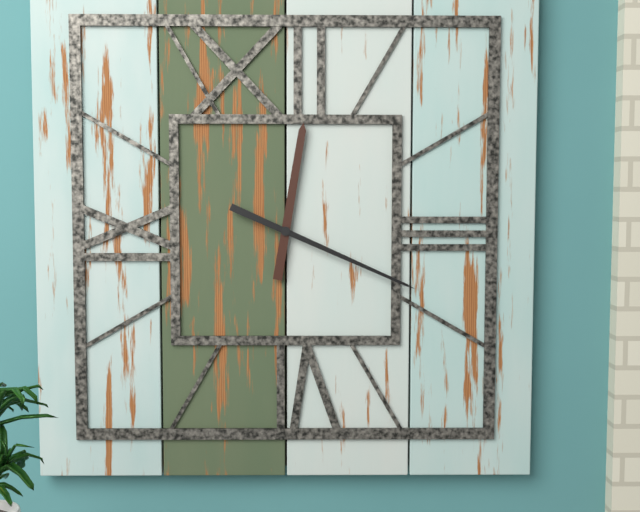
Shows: 12:19
